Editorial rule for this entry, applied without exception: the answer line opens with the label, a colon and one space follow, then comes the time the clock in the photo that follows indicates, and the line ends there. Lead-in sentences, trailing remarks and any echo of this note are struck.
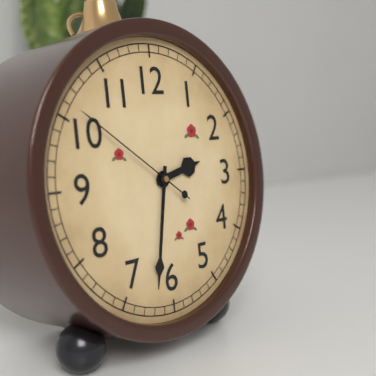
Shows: 2:32:51
